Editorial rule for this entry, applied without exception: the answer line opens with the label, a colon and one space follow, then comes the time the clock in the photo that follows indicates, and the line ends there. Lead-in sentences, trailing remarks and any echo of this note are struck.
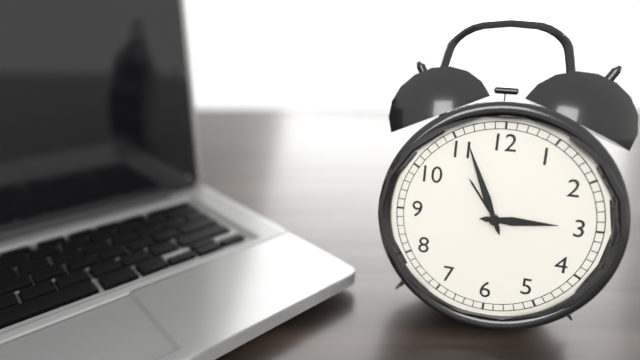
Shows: 2:56
